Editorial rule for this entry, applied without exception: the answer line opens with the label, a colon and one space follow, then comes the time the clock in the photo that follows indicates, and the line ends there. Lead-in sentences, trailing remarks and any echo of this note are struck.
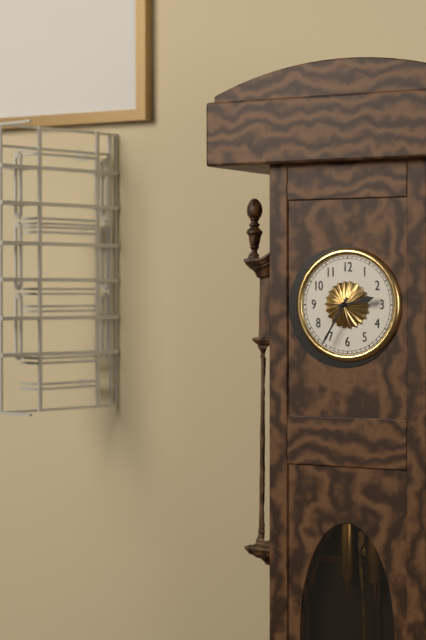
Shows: 2:35
